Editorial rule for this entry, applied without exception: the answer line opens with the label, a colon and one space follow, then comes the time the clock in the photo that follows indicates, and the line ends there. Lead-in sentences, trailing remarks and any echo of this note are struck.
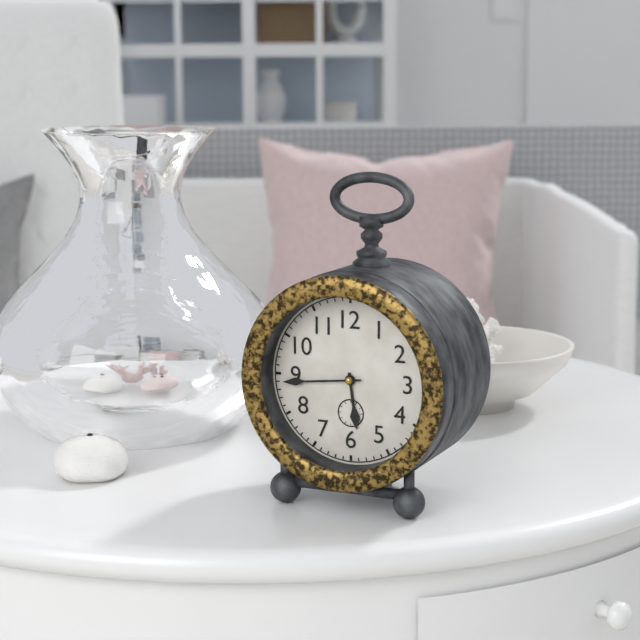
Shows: 5:44
